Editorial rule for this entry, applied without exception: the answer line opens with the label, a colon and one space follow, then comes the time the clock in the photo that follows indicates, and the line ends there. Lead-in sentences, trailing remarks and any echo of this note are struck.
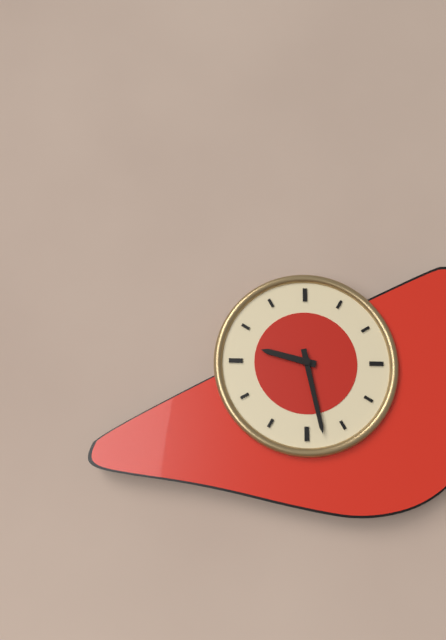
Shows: 9:28
